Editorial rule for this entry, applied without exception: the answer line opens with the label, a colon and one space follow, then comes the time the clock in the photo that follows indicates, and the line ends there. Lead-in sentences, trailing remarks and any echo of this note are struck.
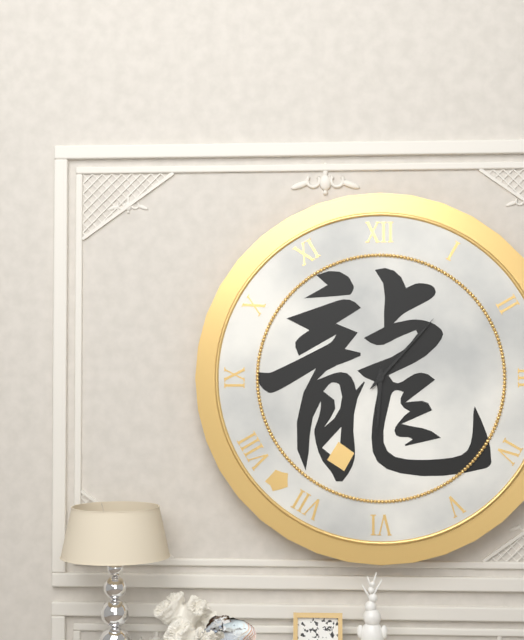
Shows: 6:07
